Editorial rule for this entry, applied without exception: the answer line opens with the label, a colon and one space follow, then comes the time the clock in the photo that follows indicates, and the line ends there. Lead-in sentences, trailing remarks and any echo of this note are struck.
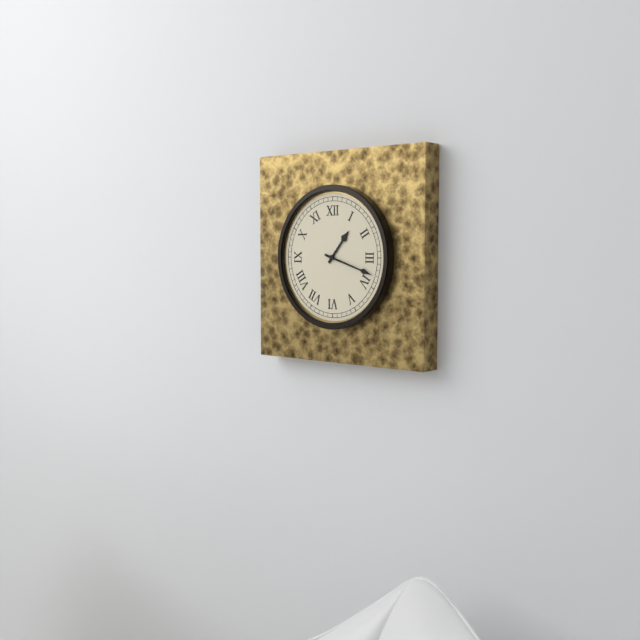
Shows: 1:18
